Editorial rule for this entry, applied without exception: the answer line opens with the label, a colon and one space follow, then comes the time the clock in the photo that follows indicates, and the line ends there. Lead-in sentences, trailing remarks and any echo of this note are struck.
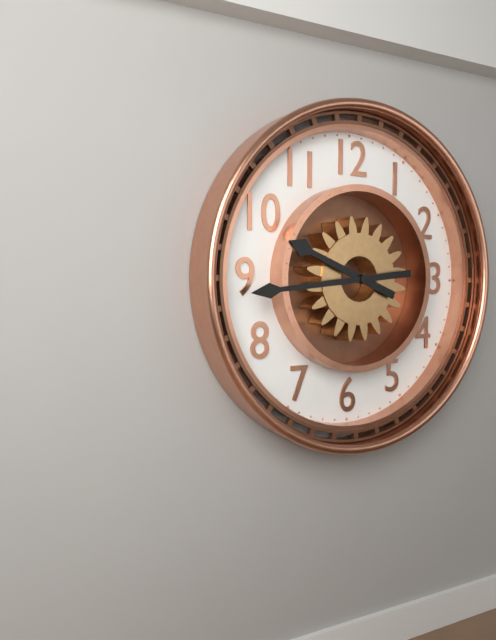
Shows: 9:44
